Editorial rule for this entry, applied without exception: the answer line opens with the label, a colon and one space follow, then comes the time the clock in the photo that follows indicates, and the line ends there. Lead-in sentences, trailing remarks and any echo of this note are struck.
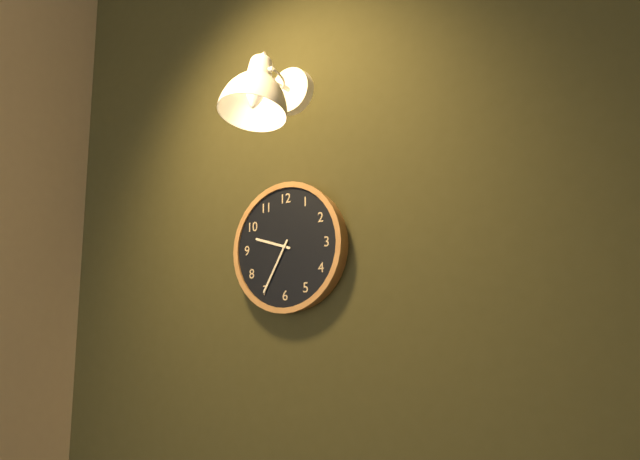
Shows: 9:35
